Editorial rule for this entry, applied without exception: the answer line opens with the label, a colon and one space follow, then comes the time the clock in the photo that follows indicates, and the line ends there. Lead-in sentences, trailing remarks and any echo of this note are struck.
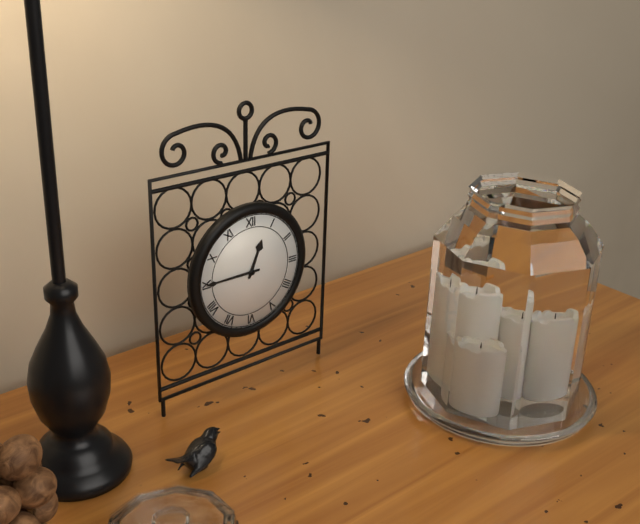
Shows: 12:45
